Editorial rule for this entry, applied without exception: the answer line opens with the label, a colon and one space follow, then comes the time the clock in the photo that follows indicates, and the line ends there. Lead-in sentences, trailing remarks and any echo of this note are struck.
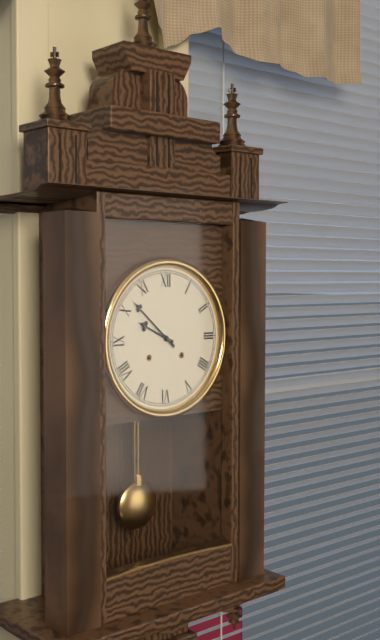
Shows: 9:52
